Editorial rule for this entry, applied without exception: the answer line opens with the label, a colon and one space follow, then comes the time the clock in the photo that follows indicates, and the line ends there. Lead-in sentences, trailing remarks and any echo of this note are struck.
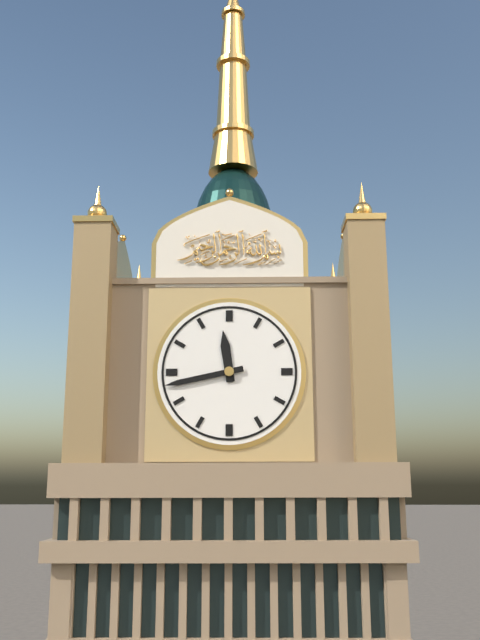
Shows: 11:43
